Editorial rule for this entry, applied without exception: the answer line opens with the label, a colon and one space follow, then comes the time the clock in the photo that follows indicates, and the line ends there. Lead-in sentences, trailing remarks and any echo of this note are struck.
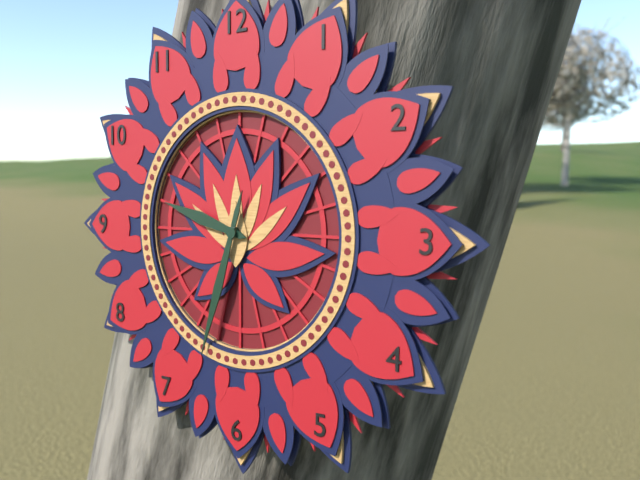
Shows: 9:33
